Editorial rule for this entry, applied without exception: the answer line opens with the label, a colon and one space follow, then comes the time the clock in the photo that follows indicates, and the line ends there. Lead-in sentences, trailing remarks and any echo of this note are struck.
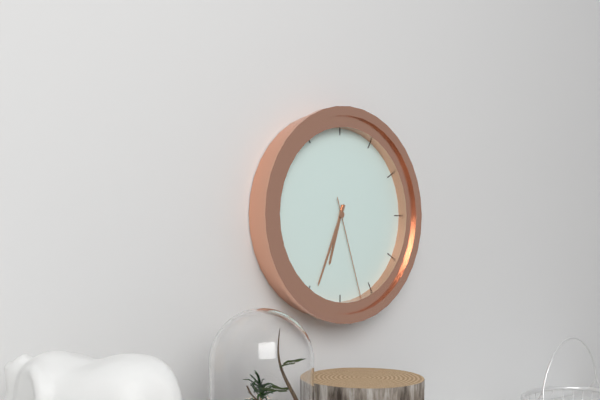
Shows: 6:34:27
